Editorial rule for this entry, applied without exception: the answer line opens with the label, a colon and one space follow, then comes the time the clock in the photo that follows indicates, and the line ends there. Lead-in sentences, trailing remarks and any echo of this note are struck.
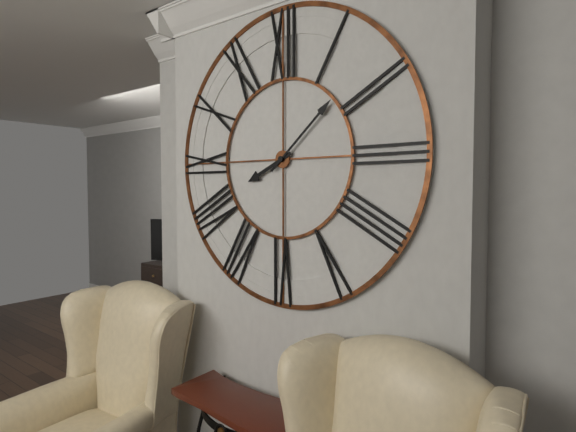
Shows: 8:08
